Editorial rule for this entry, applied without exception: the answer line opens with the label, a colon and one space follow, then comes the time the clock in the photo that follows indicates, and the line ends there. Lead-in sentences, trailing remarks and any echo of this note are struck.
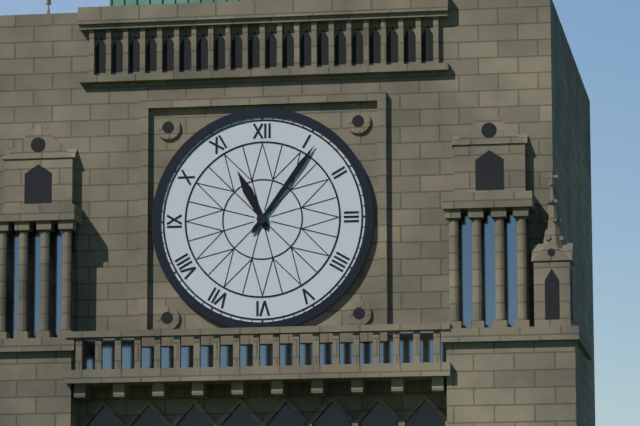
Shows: 11:06
